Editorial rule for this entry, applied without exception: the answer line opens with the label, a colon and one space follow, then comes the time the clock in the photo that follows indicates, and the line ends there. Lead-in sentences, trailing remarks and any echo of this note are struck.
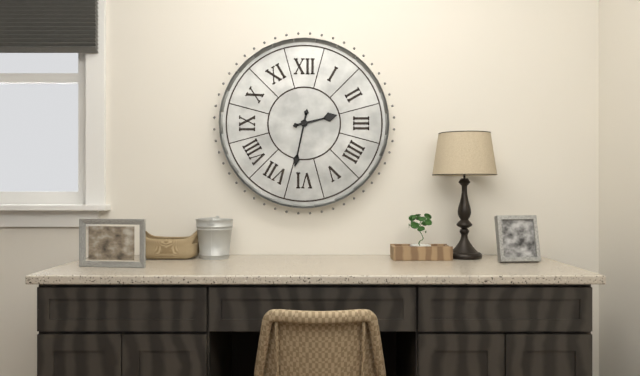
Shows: 2:32
